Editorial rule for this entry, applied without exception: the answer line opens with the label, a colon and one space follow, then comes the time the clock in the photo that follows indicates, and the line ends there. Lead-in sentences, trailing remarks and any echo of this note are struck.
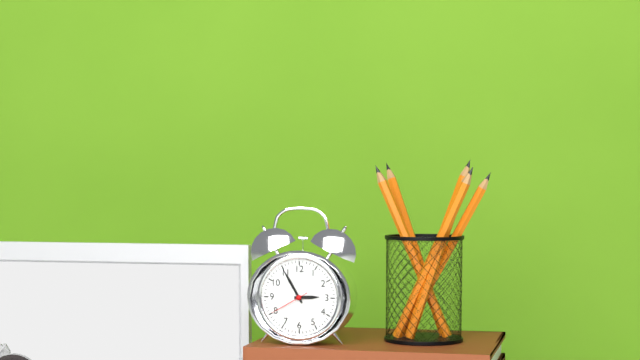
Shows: 2:55
